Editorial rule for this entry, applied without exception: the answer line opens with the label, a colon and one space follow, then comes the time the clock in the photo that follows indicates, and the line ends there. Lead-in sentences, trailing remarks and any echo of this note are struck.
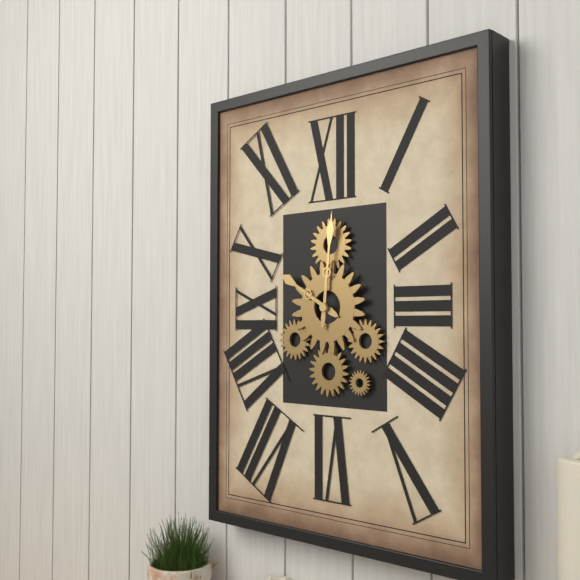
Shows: 10:01
